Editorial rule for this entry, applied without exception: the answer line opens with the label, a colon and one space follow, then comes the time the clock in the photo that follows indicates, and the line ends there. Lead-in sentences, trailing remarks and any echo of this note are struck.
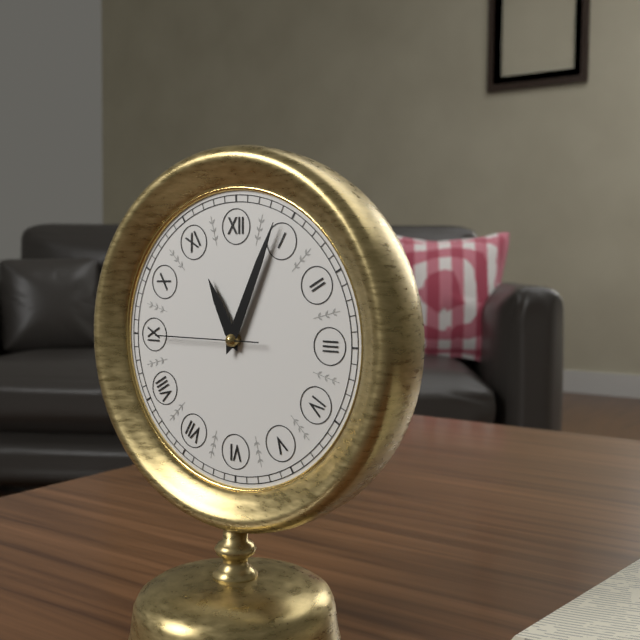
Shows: 11:04:45
